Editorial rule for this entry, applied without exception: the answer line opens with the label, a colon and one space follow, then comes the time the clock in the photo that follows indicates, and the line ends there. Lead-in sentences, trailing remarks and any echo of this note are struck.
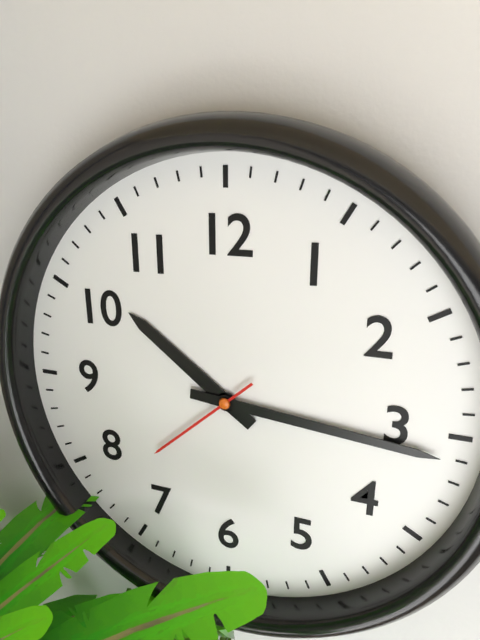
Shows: 10:16:38
